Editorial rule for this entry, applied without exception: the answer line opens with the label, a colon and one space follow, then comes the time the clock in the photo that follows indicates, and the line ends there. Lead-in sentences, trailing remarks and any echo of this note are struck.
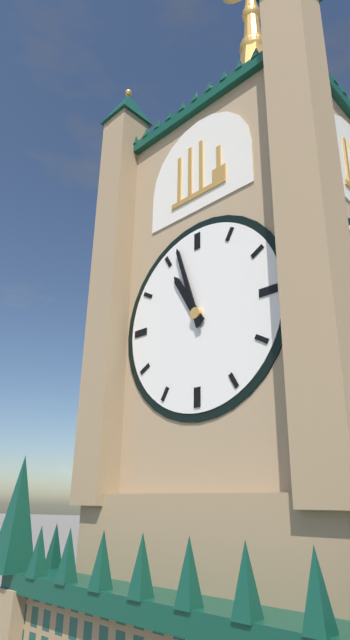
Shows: 10:57
